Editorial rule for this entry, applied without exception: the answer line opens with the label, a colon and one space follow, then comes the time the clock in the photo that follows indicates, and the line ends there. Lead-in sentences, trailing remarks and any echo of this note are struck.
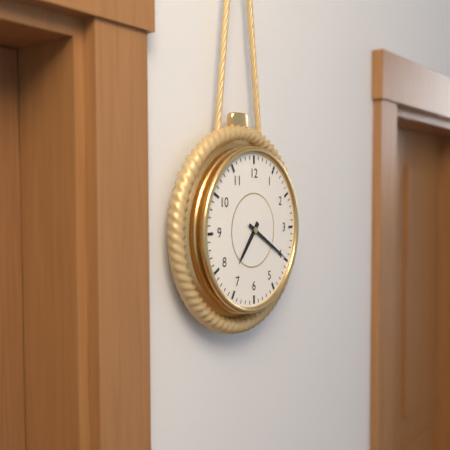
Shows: 7:20
